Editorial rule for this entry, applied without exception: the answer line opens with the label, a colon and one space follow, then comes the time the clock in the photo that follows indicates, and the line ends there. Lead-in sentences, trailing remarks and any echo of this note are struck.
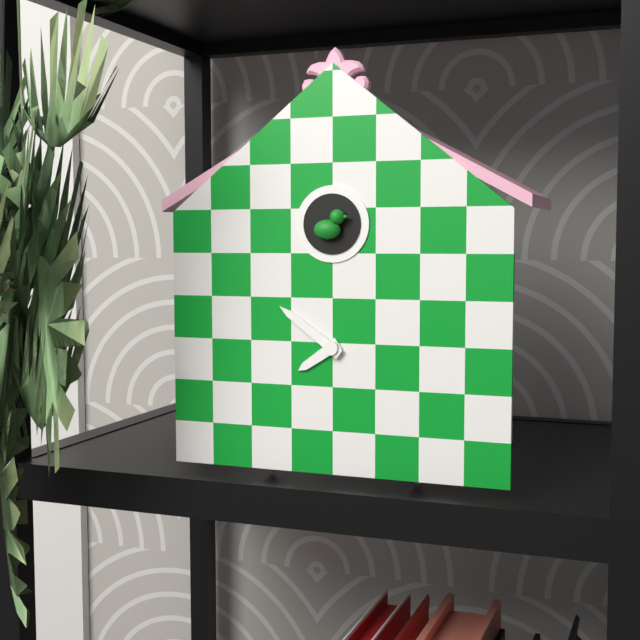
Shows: 7:51
